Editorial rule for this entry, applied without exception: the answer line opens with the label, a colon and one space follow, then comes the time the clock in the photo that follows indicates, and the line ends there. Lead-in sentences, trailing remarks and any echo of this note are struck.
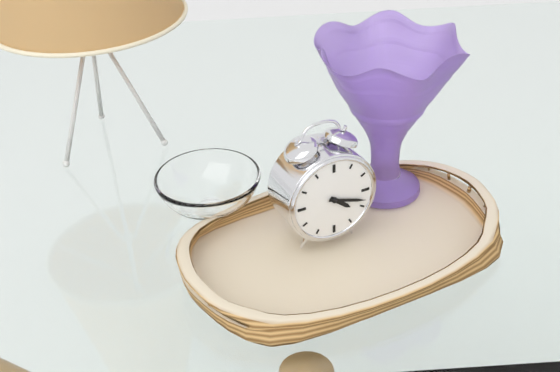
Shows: 4:18
